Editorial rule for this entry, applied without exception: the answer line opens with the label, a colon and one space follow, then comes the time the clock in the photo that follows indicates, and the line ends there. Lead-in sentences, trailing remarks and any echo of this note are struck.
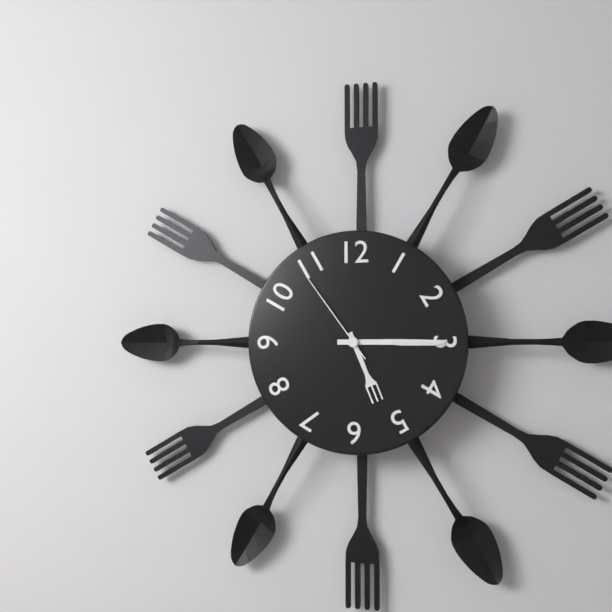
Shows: 5:15:54
